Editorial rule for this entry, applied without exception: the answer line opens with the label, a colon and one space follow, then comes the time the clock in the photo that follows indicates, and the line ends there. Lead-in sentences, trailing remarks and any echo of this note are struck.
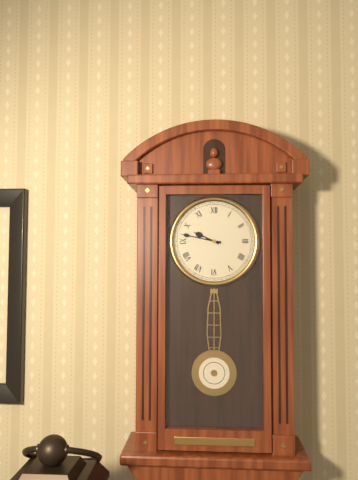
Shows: 9:47
